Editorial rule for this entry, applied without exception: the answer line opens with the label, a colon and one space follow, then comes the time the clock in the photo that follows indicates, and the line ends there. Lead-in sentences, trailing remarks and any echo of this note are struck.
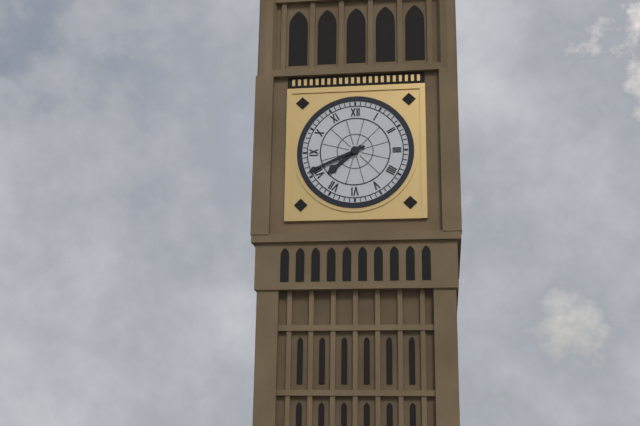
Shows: 7:41
